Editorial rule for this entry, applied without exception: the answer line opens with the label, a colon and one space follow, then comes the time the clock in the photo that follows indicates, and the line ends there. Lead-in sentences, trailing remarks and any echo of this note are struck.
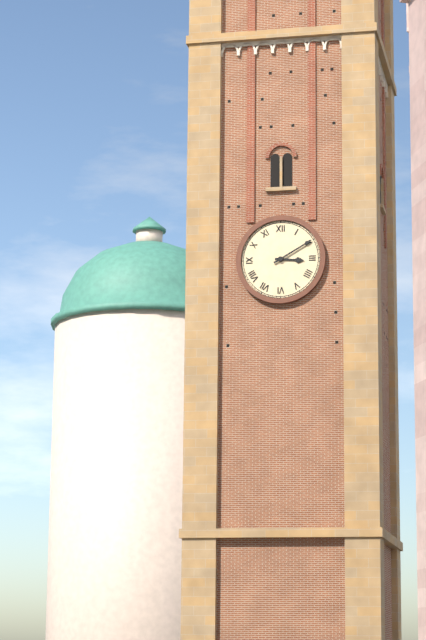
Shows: 3:10
